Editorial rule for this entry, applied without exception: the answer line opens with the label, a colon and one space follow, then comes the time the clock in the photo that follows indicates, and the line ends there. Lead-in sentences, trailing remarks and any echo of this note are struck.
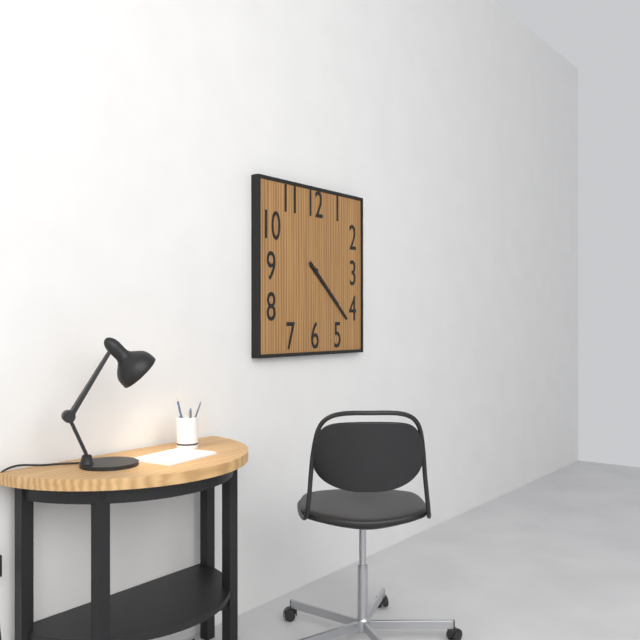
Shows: 4:22
